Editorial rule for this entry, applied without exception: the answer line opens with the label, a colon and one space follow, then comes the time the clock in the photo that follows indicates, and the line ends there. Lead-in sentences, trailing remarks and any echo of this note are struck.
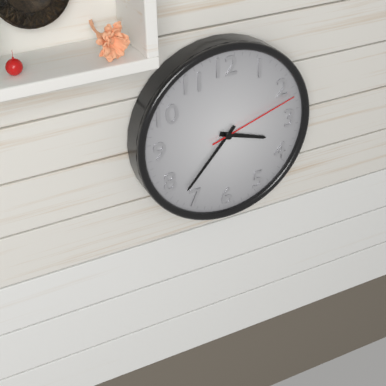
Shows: 3:37:12
